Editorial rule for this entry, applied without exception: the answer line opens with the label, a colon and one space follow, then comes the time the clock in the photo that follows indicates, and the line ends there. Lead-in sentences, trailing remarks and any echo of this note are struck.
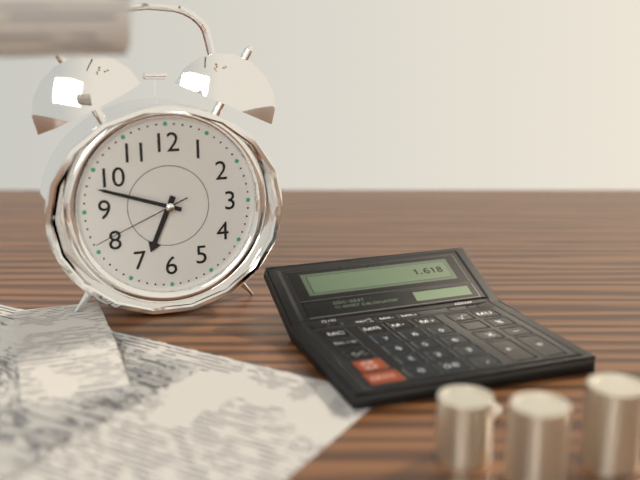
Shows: 6:48:41
